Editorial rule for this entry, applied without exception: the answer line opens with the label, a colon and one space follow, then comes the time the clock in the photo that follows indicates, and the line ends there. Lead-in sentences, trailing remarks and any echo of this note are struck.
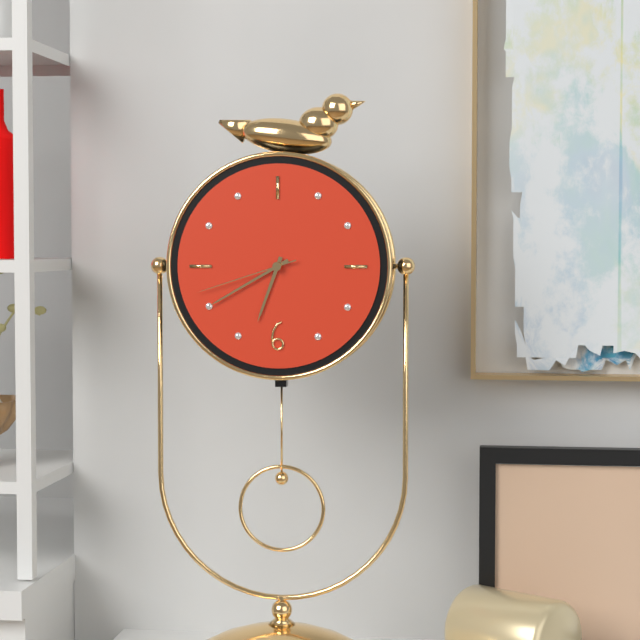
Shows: 6:40:42
